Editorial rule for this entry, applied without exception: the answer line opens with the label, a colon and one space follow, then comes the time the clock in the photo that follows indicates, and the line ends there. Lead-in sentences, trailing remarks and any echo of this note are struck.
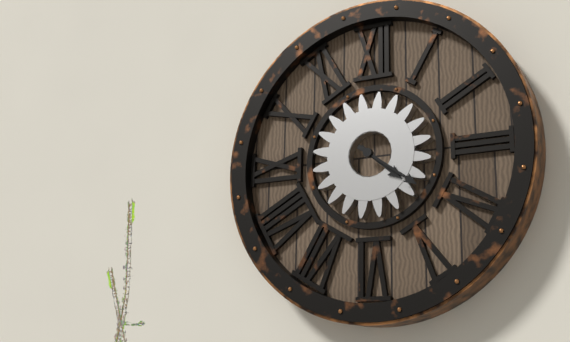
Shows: 4:21
